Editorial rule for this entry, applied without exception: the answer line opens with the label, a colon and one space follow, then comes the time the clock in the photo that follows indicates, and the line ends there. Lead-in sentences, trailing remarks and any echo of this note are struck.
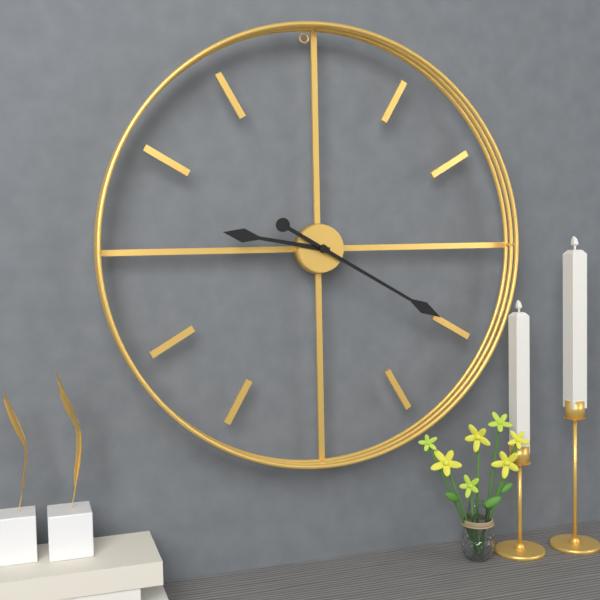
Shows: 9:20
